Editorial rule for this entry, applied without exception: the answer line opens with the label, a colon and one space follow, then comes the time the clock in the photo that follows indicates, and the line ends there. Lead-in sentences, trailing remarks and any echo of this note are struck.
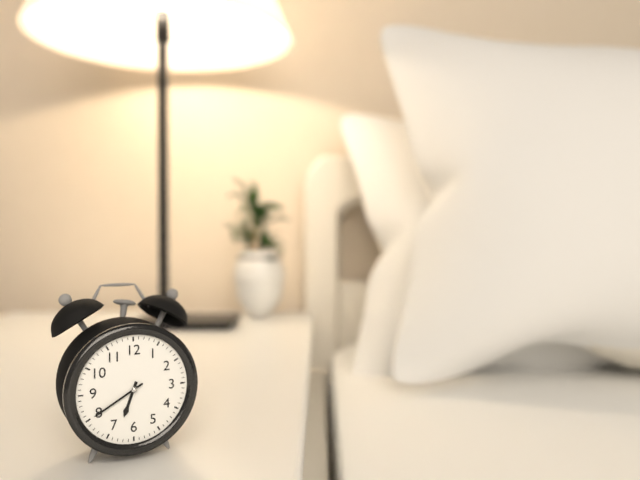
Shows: 6:40
